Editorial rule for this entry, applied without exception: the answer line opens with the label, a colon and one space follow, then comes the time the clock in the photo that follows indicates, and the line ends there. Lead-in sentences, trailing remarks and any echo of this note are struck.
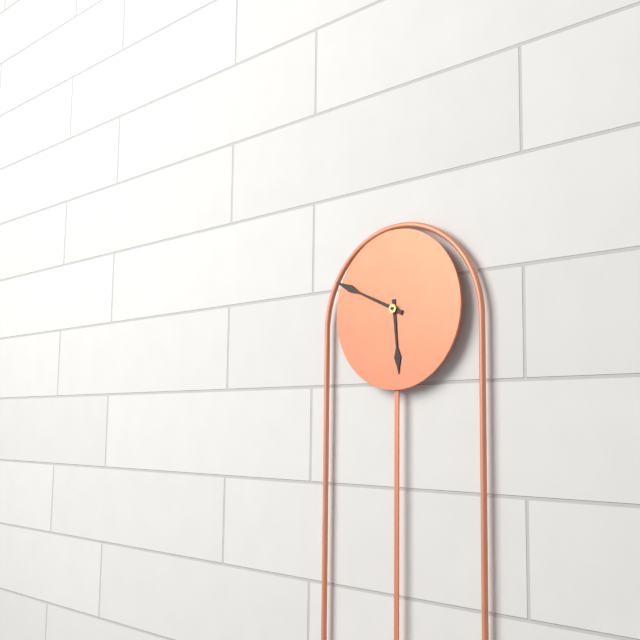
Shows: 5:49
